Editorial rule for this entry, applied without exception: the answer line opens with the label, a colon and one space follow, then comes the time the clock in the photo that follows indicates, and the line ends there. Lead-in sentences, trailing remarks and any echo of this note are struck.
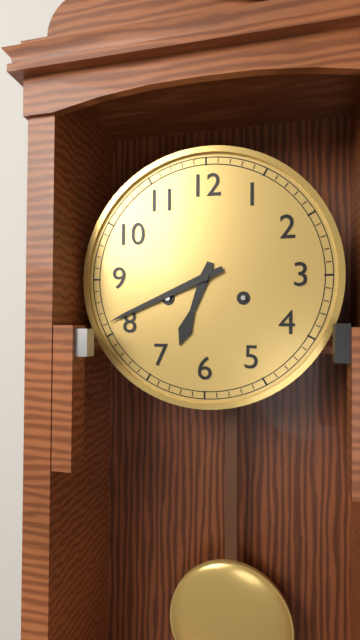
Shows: 6:41
